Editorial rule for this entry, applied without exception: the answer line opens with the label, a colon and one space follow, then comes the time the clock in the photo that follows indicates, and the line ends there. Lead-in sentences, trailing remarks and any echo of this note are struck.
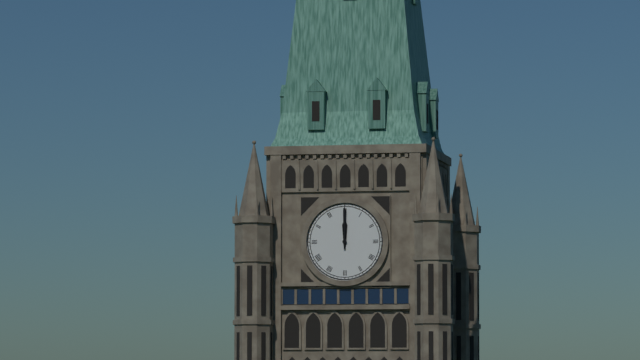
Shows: 12:00
